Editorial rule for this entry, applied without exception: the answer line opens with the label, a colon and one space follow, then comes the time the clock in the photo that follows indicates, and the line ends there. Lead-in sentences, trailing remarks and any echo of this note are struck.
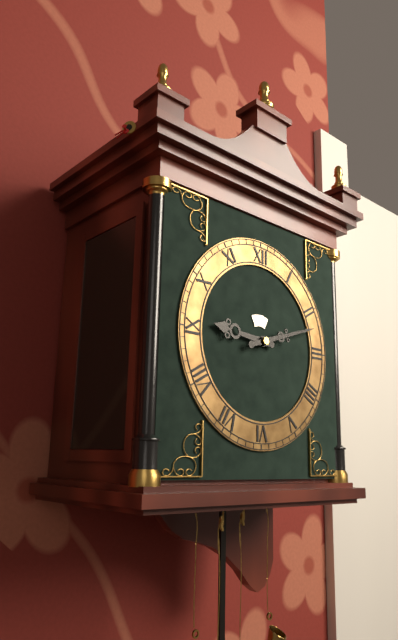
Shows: 9:12
